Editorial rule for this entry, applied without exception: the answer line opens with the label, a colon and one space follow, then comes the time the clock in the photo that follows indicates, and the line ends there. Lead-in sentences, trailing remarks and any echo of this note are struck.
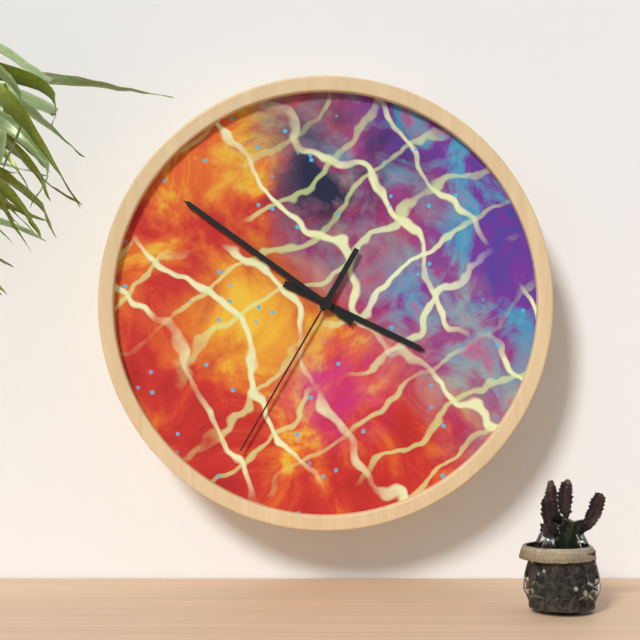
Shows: 3:51:35
